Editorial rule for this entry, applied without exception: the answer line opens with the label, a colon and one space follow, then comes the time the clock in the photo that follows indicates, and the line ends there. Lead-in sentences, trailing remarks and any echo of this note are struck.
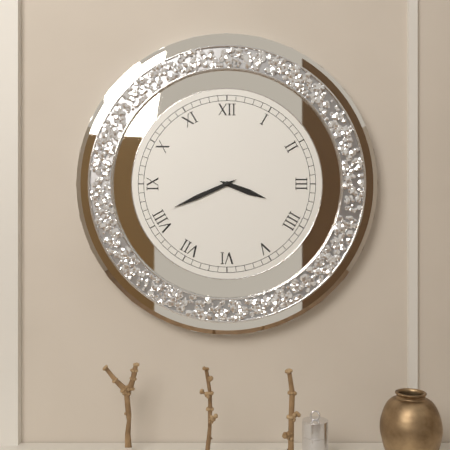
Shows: 3:41
